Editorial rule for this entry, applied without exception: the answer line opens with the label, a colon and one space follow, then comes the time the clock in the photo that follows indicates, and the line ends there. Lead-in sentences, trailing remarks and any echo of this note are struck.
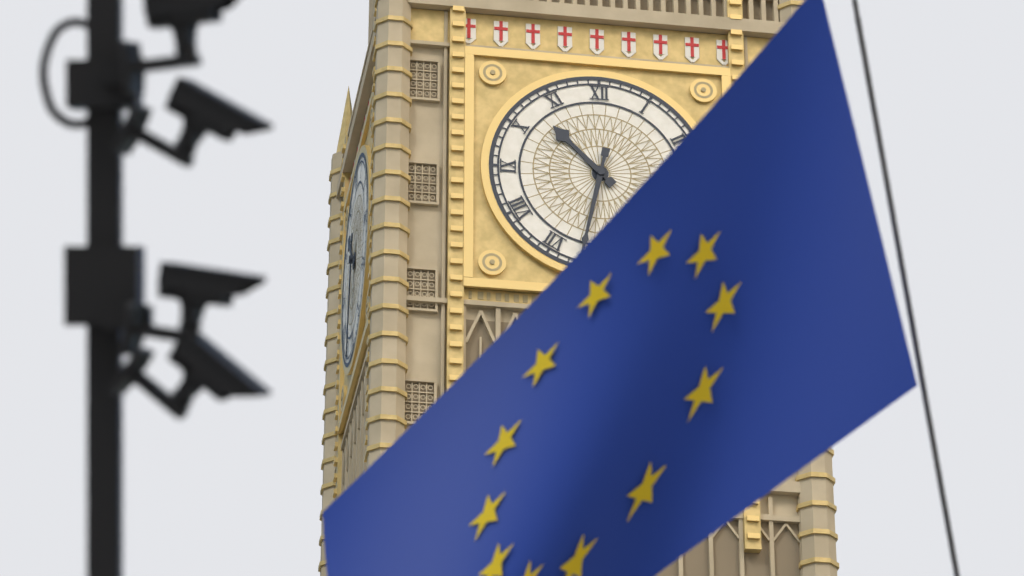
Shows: 10:32
